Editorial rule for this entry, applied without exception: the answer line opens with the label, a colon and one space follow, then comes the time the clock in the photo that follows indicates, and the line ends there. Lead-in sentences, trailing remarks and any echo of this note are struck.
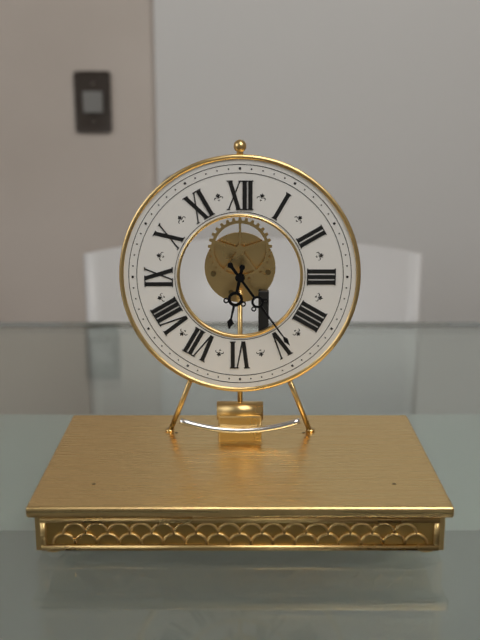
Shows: 6:24
